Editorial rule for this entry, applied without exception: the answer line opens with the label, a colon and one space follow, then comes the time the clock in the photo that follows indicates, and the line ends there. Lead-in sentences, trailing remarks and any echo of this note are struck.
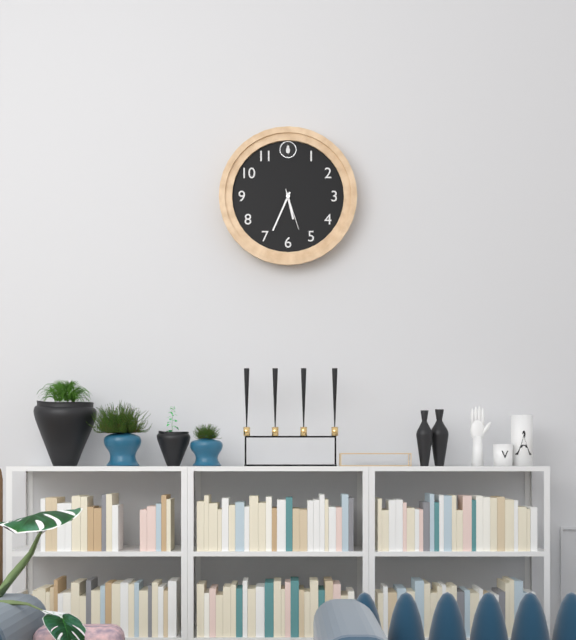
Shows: 5:34
